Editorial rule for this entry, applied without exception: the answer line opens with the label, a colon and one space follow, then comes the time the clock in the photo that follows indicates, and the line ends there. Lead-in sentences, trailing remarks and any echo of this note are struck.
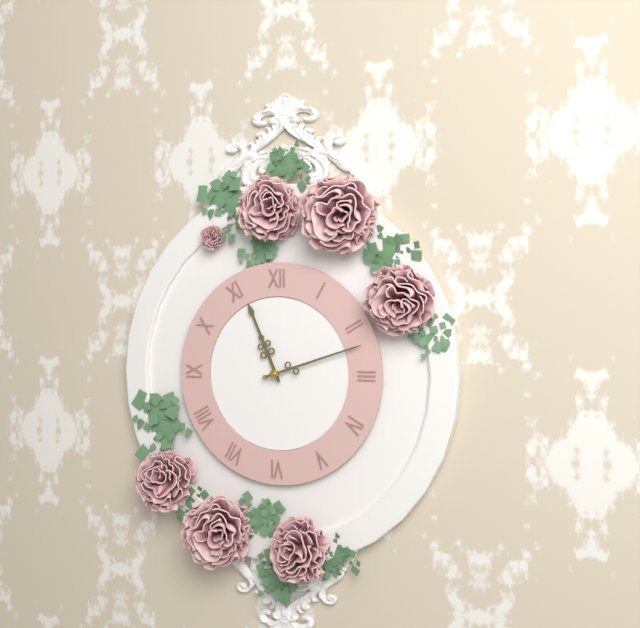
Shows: 11:12
